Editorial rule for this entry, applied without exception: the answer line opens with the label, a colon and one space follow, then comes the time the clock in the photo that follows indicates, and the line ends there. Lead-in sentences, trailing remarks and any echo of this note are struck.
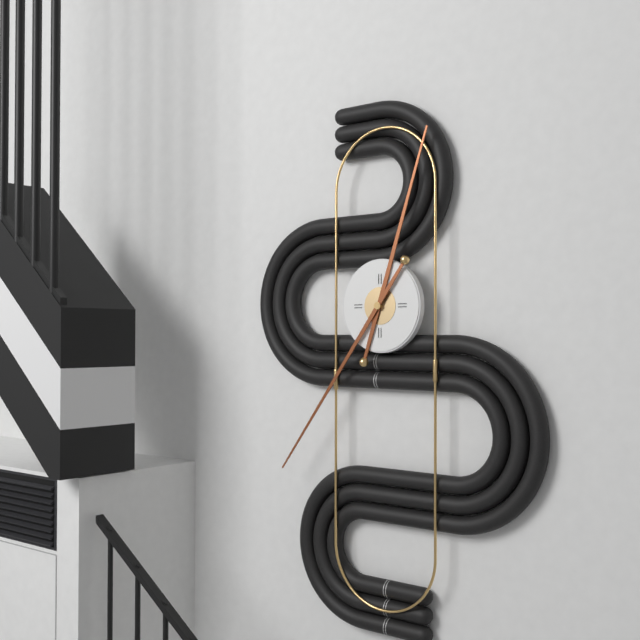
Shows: 12:36
